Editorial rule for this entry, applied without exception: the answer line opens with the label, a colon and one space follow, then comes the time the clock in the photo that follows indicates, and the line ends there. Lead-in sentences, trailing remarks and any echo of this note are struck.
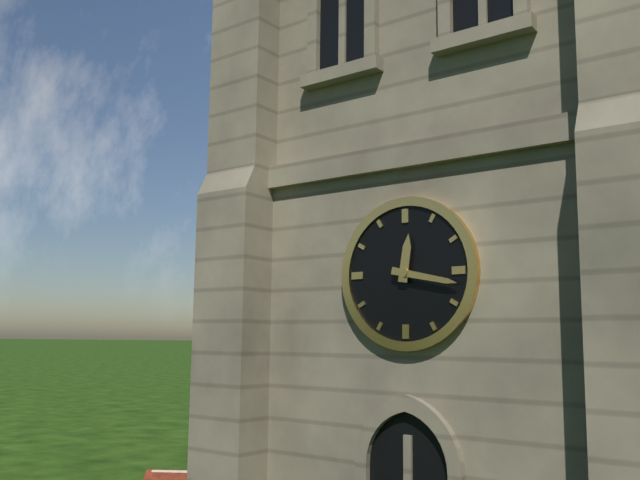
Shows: 12:17
